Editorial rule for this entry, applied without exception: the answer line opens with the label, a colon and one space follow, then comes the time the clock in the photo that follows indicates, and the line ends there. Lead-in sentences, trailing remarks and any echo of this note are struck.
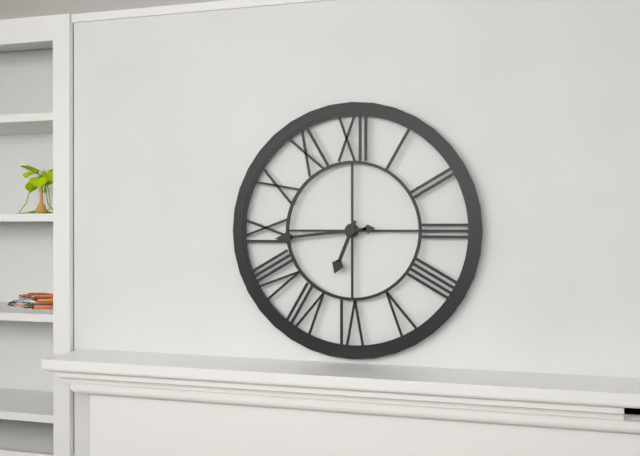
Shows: 6:44
